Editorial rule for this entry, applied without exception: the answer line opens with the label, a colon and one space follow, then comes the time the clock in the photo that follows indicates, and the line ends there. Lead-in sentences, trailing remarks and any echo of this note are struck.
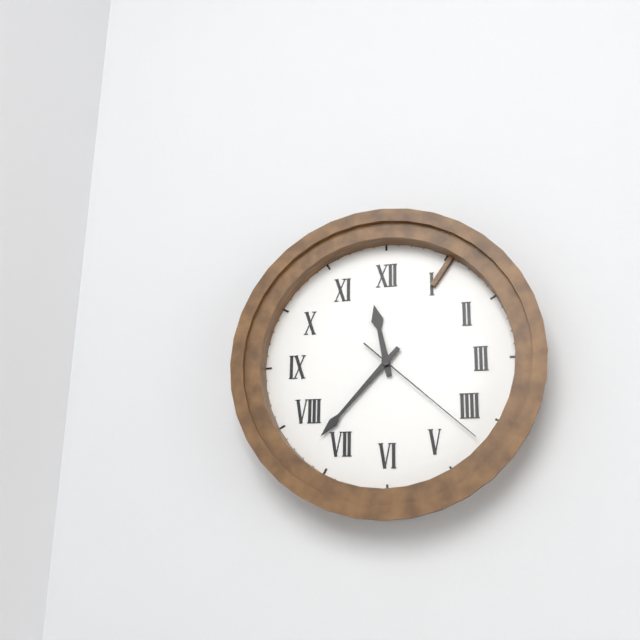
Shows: 11:37:22
